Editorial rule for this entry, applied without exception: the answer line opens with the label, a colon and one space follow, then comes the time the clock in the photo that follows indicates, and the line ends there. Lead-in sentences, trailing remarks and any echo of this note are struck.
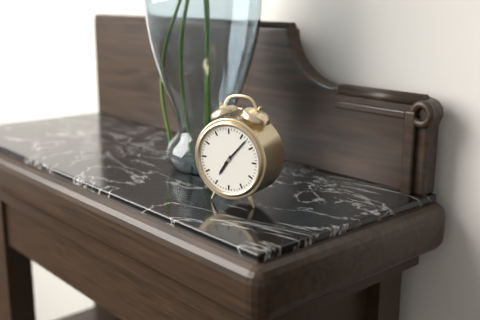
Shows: 7:07
